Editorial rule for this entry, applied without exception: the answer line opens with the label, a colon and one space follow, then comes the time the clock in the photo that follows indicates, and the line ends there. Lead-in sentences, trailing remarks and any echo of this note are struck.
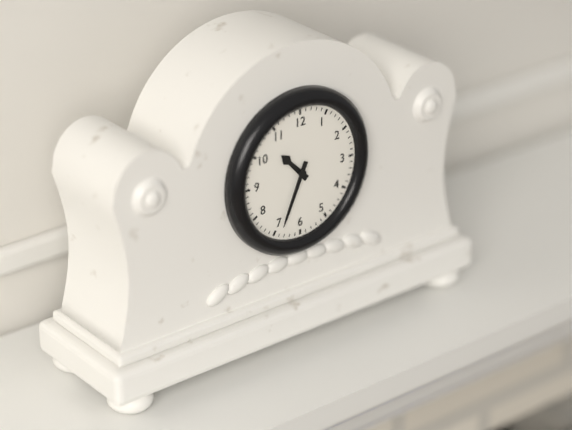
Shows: 10:34
